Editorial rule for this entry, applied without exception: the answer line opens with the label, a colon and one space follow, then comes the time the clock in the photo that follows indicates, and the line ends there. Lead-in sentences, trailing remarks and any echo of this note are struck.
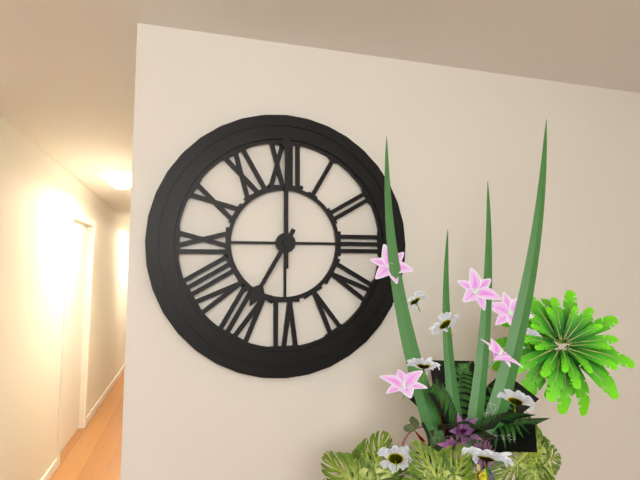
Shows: 7:00
